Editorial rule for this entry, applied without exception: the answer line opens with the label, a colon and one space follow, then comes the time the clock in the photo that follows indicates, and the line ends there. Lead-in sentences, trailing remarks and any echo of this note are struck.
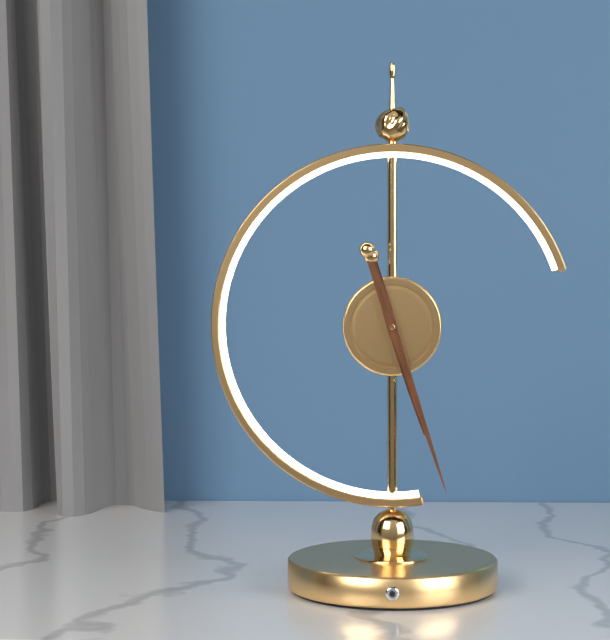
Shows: 5:27
